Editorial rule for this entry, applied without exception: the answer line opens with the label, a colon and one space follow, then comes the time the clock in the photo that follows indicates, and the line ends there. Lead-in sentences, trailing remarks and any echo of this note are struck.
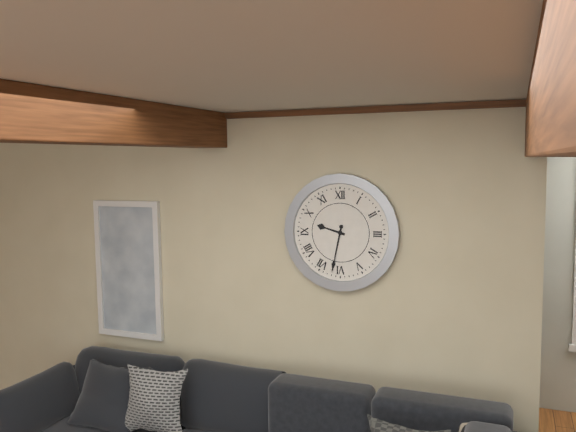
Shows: 9:32
